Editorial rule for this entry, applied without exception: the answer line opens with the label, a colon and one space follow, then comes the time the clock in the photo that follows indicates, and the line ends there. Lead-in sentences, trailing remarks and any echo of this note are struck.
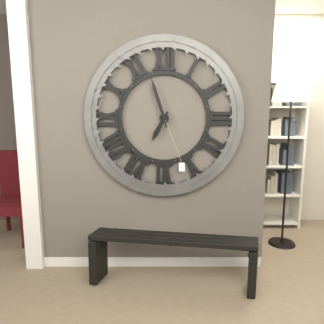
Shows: 6:57
